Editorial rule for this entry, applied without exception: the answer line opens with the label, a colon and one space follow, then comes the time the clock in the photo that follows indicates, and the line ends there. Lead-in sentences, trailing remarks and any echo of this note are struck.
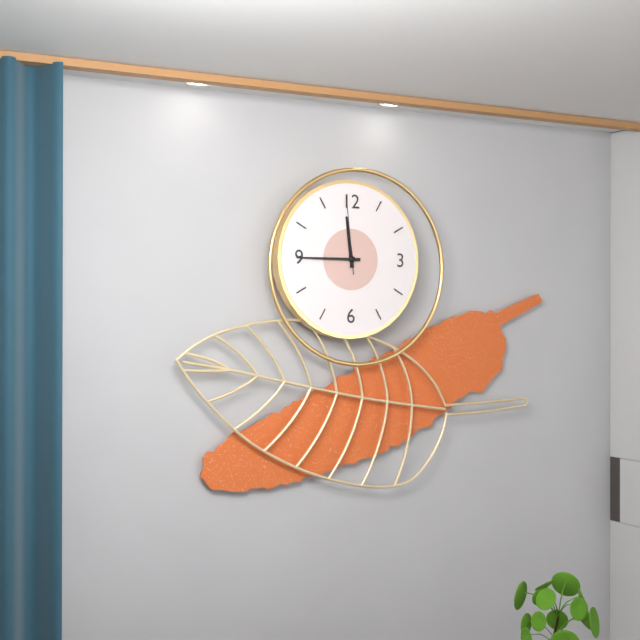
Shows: 11:45:59
